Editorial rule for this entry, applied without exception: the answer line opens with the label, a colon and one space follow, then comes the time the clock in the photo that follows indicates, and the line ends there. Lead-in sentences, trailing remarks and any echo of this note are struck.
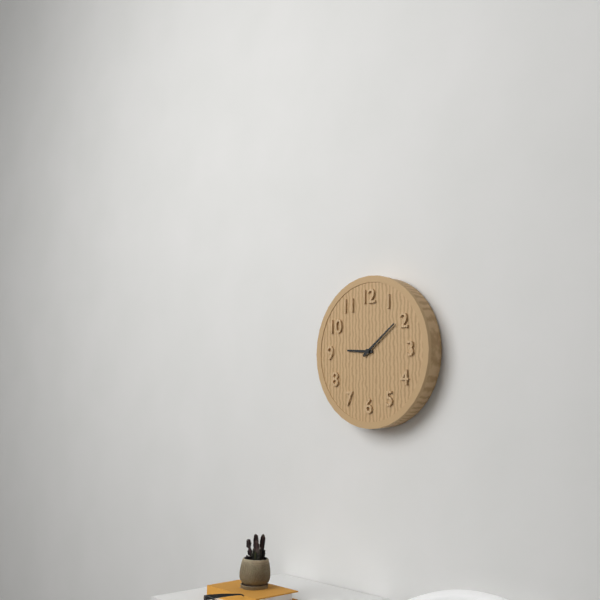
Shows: 9:09
